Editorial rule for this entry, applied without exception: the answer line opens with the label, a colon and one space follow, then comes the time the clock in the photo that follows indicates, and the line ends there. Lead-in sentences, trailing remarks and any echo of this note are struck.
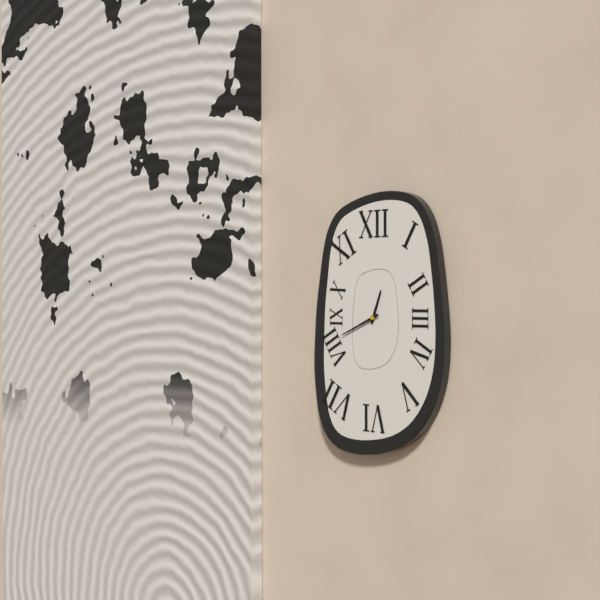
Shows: 12:41
